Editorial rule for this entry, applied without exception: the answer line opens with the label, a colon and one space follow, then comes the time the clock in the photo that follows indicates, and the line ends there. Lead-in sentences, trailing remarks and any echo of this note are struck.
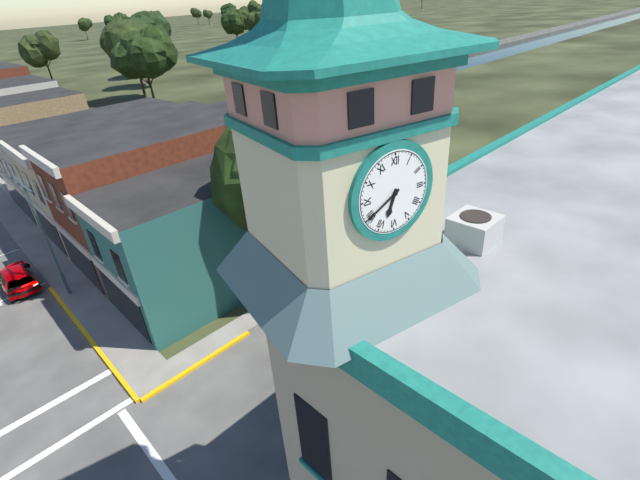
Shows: 6:40
